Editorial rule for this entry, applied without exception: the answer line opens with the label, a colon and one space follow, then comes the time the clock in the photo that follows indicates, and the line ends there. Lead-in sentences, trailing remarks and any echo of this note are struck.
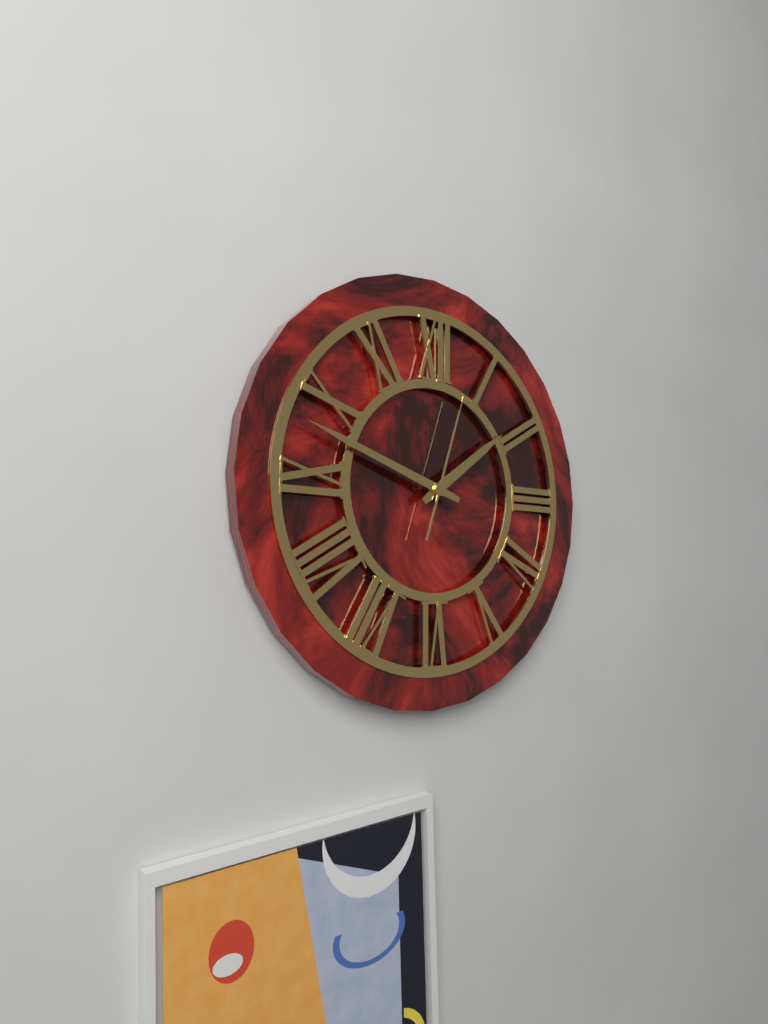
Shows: 1:48:03
